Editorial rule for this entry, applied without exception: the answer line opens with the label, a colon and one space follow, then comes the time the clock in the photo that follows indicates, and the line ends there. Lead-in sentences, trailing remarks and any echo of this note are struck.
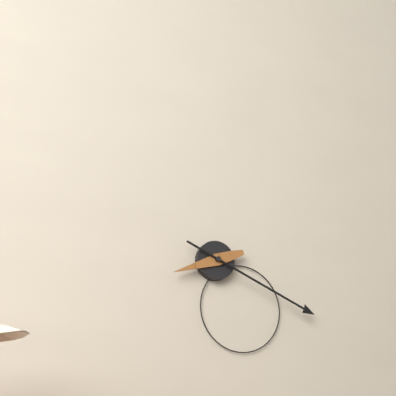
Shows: 8:19
